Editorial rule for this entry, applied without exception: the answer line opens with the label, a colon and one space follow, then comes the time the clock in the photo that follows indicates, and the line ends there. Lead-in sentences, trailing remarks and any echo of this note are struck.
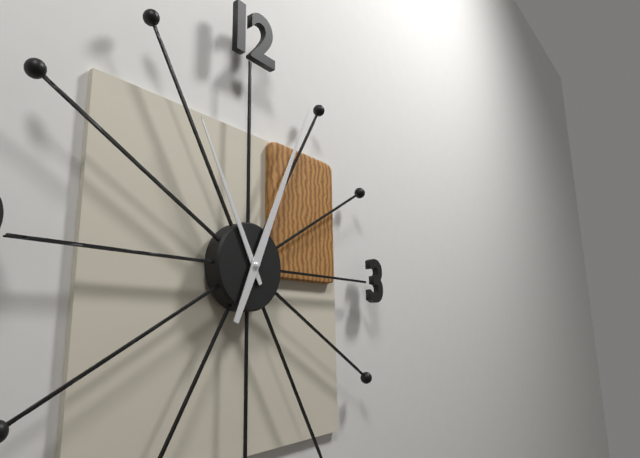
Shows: 11:04
